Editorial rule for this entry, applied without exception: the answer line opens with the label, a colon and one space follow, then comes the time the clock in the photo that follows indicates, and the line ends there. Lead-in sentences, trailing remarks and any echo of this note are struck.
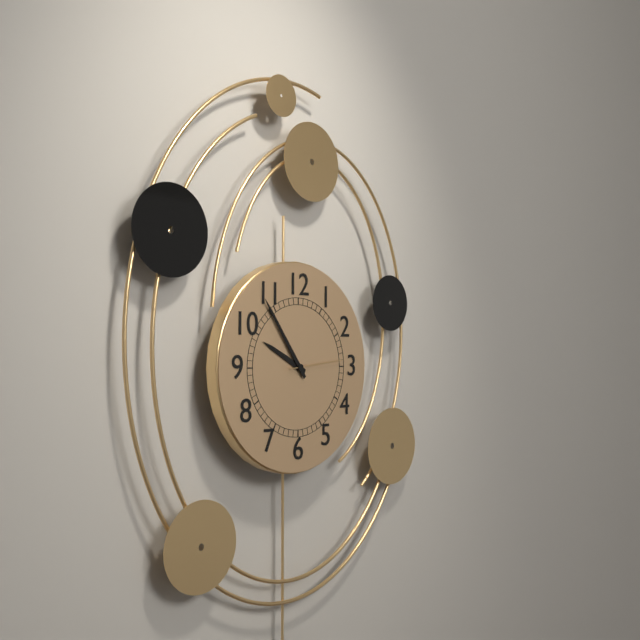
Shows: 9:54:14
